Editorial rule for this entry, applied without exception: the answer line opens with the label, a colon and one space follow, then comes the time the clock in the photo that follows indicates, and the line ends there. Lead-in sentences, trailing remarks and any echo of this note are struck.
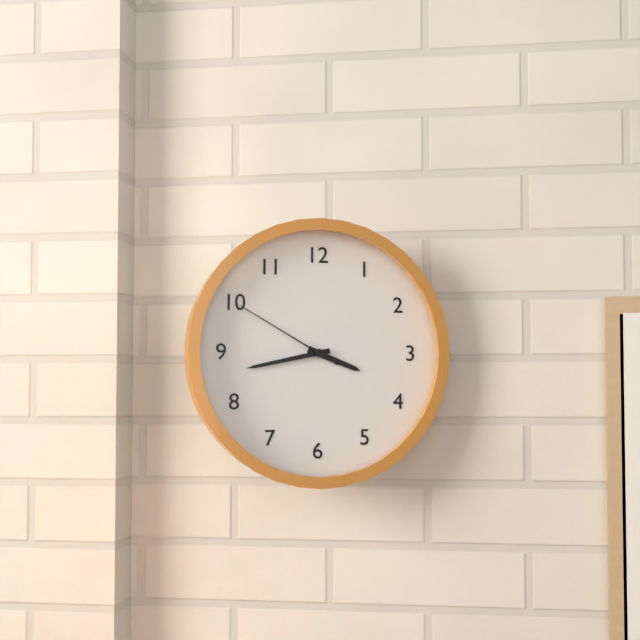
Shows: 3:43:50
